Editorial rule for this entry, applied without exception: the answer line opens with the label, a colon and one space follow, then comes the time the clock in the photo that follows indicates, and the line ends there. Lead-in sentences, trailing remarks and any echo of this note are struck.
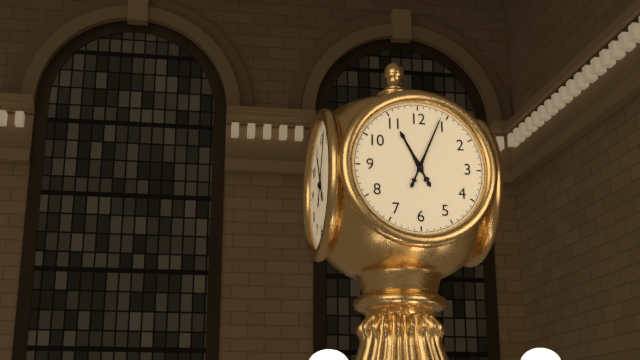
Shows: 11:04
